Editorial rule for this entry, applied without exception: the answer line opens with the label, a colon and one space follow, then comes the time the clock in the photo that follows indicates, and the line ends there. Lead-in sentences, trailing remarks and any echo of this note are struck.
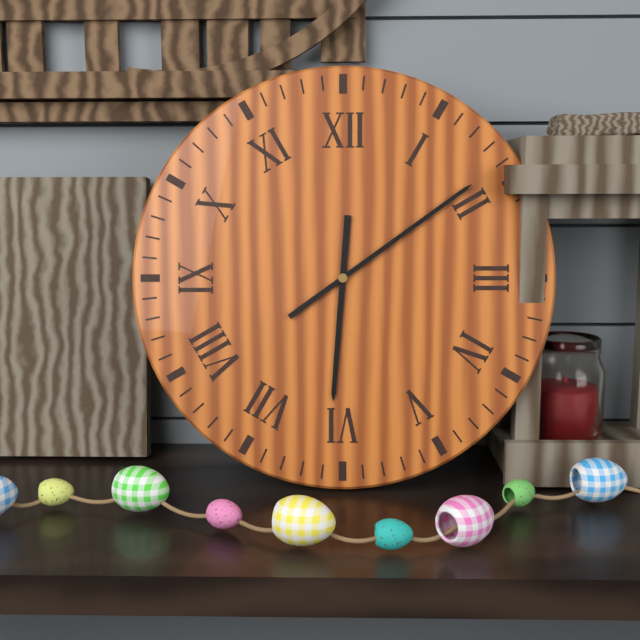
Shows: 6:09
